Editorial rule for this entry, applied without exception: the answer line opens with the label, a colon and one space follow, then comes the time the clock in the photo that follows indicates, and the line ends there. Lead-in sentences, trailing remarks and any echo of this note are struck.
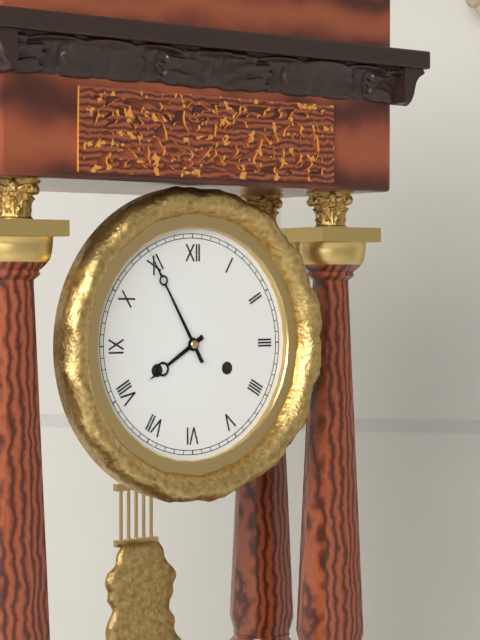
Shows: 7:55
